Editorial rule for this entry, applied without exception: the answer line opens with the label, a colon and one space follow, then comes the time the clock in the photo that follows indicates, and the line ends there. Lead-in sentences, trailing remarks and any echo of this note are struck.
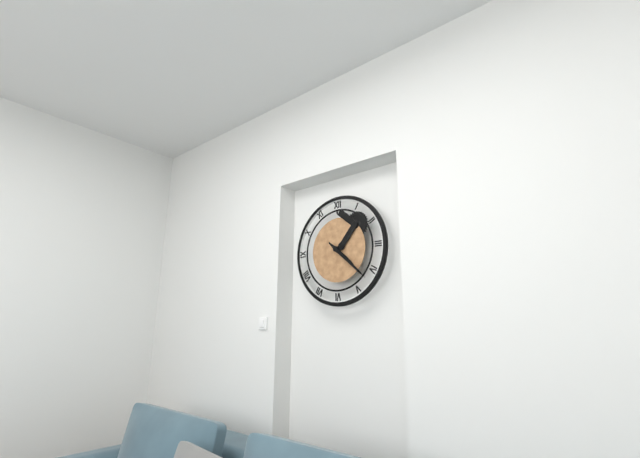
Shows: 4:22
